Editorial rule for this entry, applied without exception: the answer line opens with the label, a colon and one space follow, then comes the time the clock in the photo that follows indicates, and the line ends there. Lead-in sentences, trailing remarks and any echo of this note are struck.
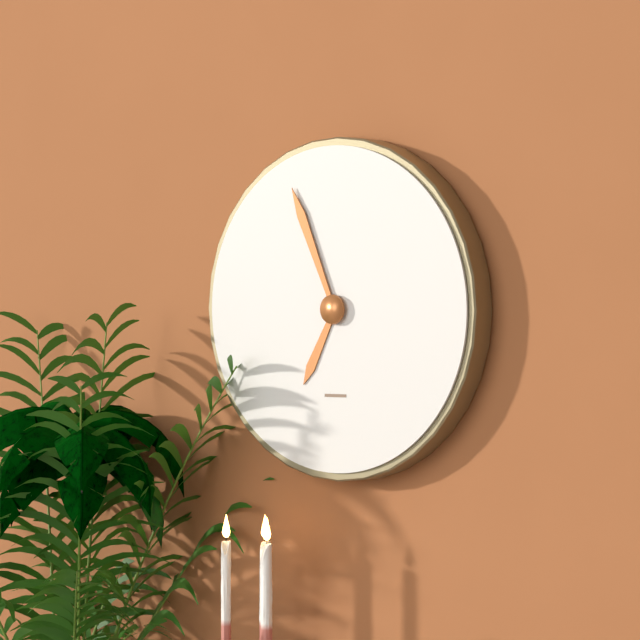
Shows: 6:56
